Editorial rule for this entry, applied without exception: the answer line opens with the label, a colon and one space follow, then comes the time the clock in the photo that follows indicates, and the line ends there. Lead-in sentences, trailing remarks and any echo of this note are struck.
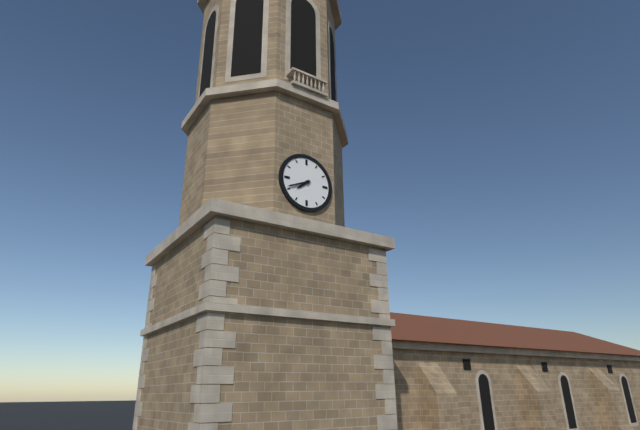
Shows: 7:41
